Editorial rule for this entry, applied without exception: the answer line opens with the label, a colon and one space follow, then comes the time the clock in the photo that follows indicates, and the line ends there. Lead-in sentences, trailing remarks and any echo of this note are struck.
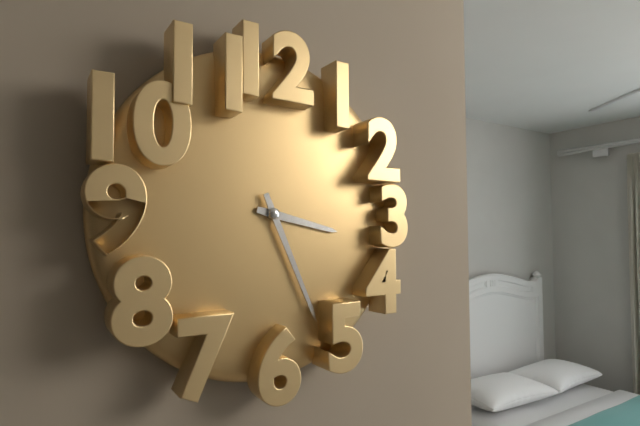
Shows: 3:26
